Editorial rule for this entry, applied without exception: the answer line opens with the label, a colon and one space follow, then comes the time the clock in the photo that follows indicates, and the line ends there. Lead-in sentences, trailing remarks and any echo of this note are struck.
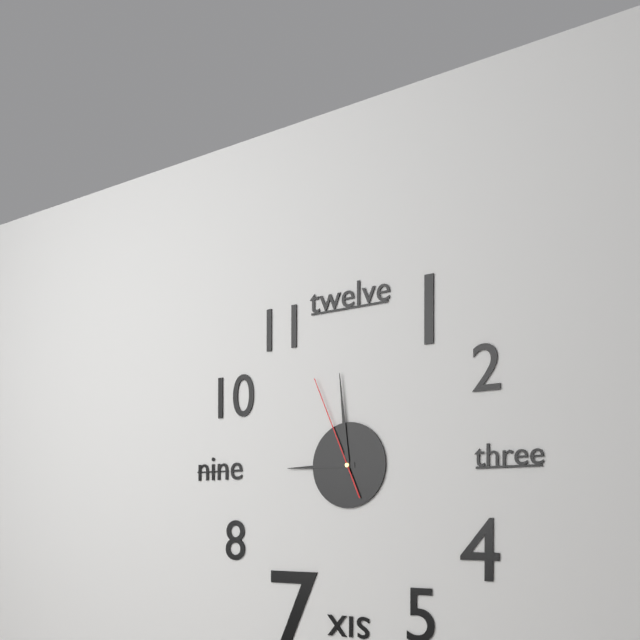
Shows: 8:59:56
